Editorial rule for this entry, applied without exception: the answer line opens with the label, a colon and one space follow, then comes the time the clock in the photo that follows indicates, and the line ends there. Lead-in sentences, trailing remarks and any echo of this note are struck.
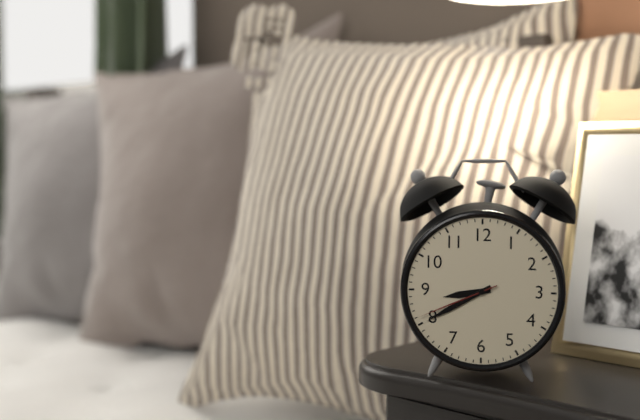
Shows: 8:40:41
